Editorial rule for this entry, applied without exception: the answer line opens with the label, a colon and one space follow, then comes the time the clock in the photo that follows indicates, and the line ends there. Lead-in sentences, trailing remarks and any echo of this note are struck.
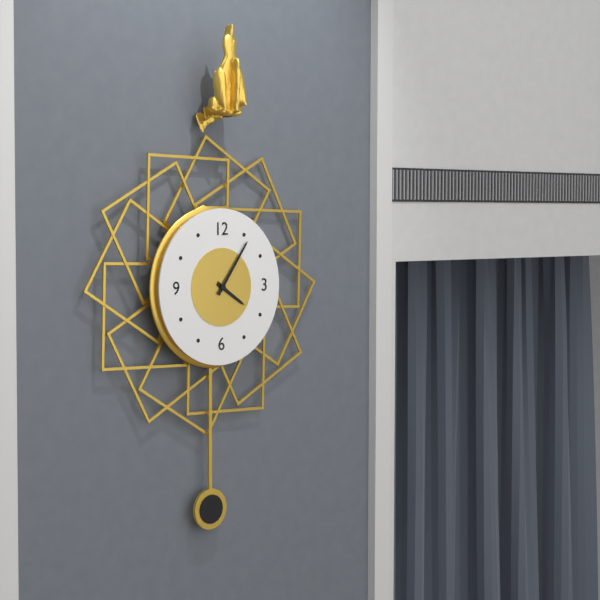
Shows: 4:06
